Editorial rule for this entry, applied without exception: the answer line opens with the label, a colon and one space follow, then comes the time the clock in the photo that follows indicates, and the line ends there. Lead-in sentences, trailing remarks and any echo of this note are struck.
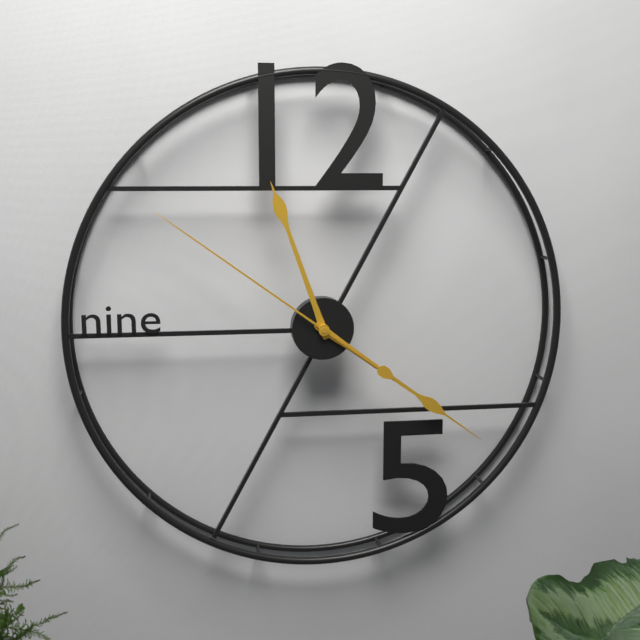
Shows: 11:21:51
